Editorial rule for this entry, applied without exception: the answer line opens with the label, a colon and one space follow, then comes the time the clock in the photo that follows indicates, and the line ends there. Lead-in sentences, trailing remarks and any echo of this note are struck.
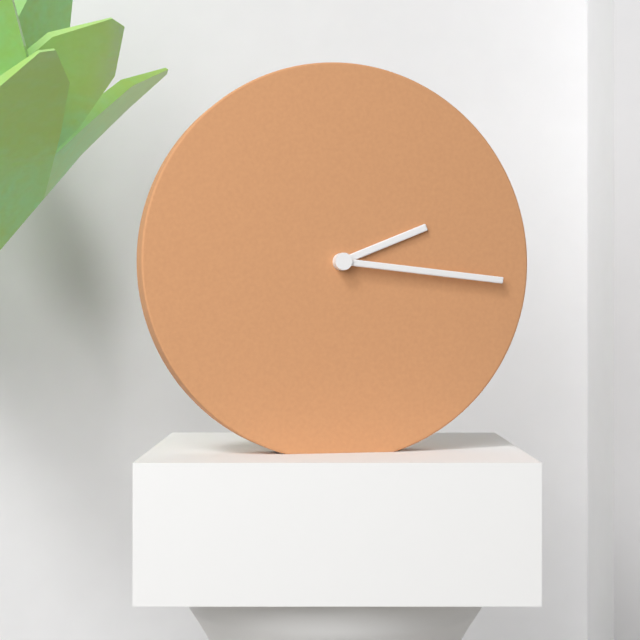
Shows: 2:16
